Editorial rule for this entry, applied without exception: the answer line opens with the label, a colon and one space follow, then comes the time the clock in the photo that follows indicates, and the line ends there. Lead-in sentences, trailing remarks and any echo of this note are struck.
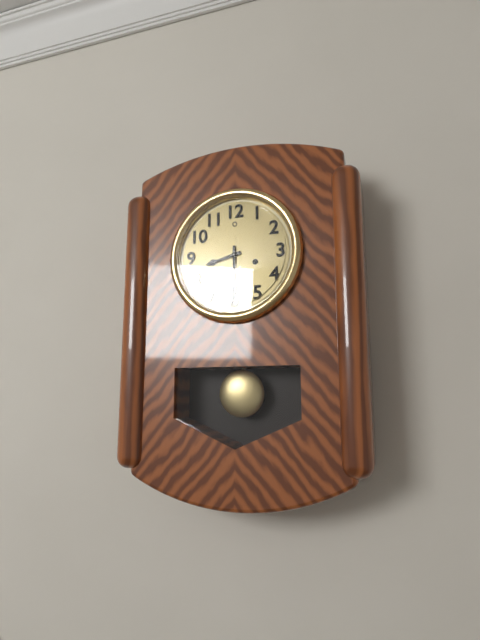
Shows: 8:30
